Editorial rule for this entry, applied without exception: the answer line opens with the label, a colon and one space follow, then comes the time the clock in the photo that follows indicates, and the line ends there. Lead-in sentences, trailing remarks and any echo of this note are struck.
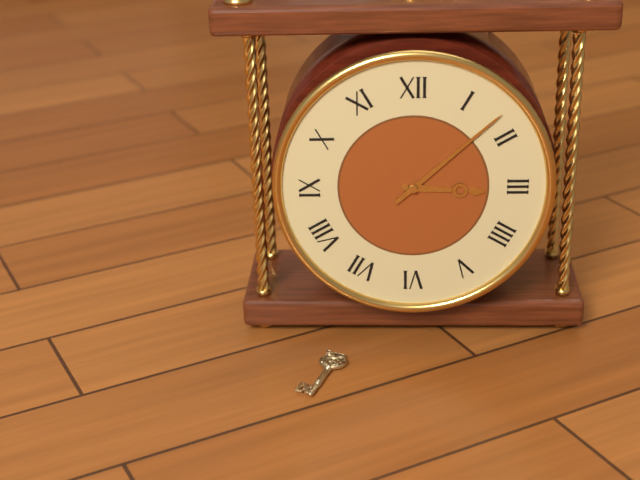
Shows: 3:08
